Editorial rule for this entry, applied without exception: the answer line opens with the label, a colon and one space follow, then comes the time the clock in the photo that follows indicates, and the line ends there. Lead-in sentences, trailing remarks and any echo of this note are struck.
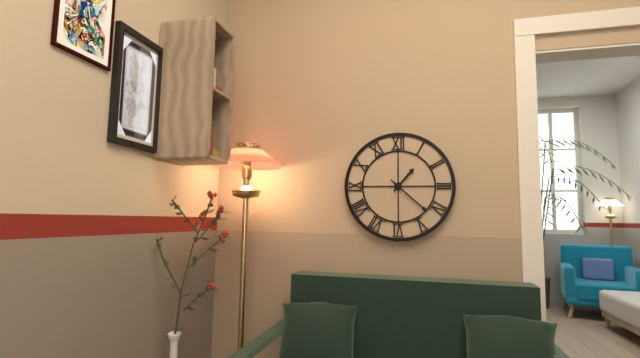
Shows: 1:22
